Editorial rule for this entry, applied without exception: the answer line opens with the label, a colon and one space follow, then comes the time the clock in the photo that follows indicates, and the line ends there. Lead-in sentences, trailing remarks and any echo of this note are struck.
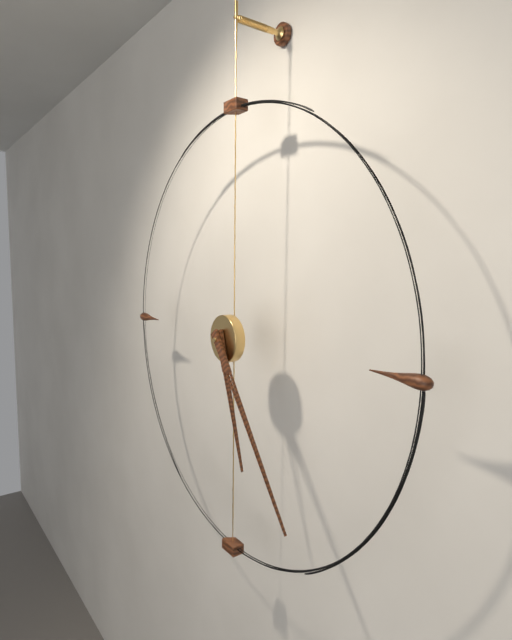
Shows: 5:24
